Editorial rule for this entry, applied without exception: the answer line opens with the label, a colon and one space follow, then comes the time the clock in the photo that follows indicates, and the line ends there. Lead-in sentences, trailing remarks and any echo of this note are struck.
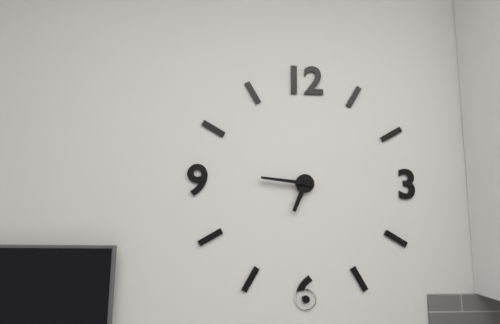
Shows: 6:46
